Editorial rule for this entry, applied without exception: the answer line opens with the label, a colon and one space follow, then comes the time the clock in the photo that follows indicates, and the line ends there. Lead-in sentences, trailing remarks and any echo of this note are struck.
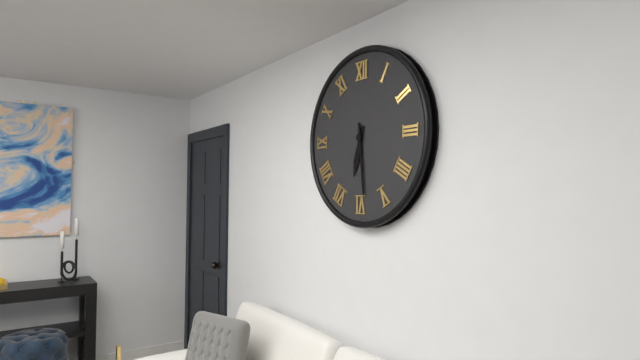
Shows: 6:29
